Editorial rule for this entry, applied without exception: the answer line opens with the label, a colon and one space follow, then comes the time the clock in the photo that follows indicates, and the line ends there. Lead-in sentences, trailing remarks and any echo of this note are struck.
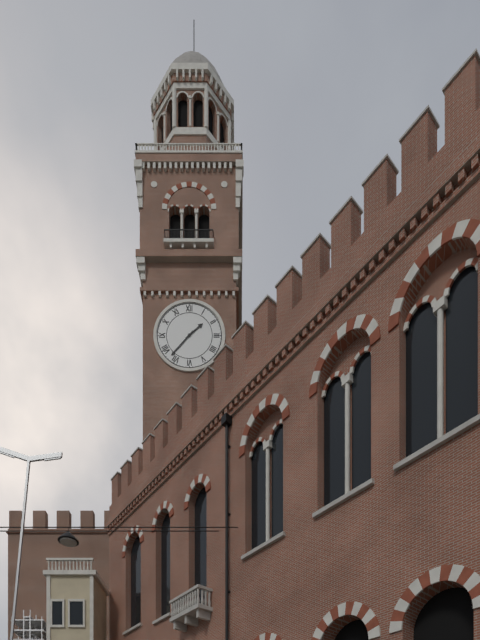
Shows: 1:37
